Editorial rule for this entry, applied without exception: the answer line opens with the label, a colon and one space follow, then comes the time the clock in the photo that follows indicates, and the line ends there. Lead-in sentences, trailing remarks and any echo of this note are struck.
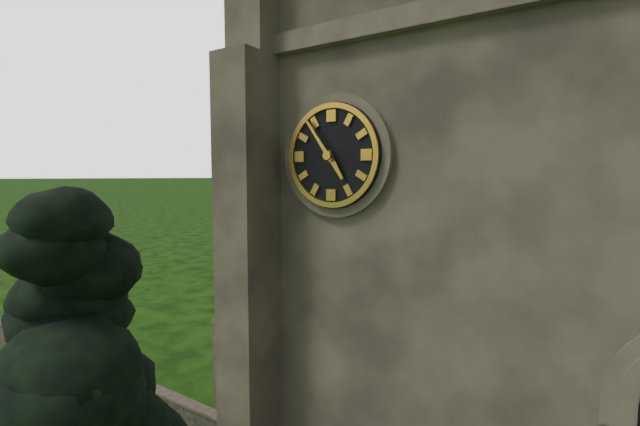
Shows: 4:54
